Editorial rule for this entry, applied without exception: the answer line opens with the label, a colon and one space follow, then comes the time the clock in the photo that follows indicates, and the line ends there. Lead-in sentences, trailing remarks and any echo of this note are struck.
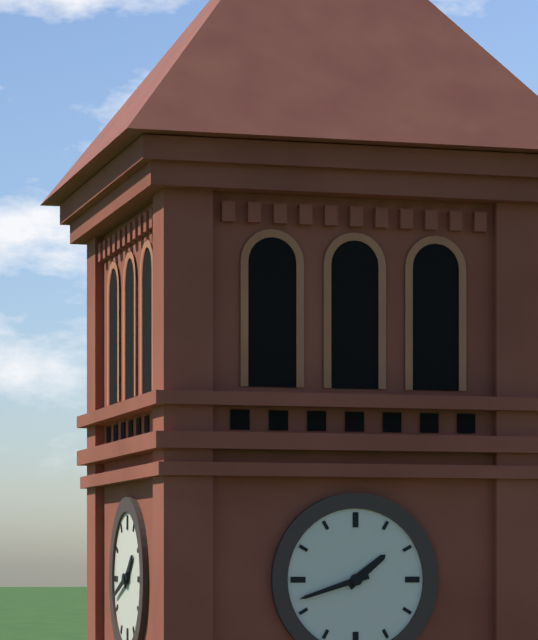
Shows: 1:42
